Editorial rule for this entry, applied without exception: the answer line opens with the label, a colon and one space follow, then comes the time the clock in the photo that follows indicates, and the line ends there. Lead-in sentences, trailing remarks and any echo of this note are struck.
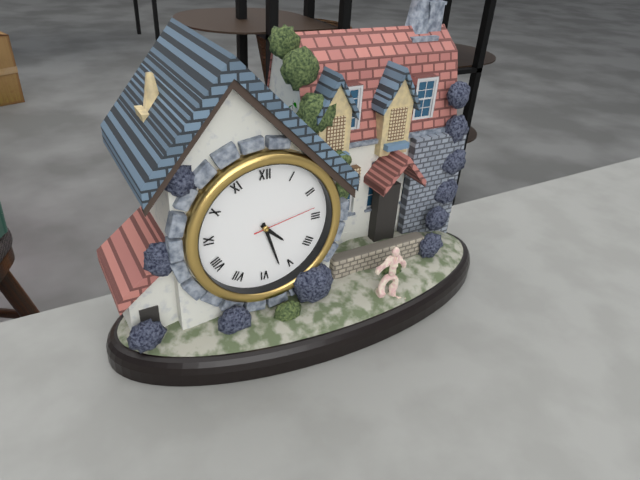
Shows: 4:27:13
